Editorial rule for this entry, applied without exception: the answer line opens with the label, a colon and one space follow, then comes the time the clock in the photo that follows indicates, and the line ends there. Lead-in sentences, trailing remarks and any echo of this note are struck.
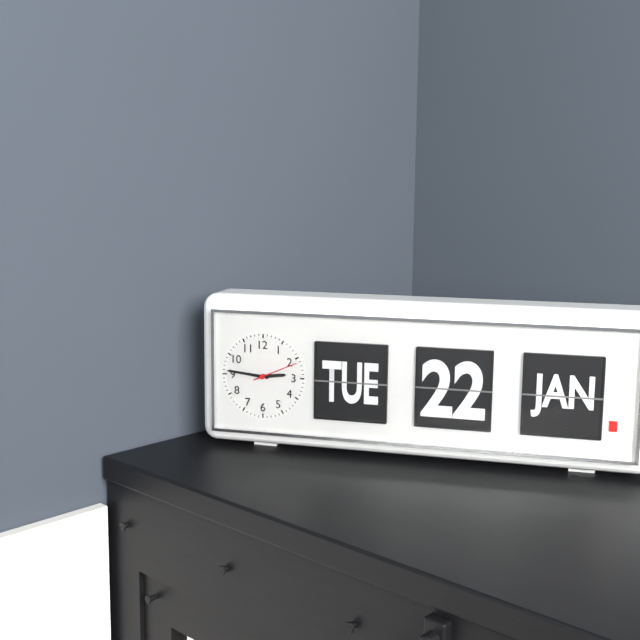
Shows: 2:46
